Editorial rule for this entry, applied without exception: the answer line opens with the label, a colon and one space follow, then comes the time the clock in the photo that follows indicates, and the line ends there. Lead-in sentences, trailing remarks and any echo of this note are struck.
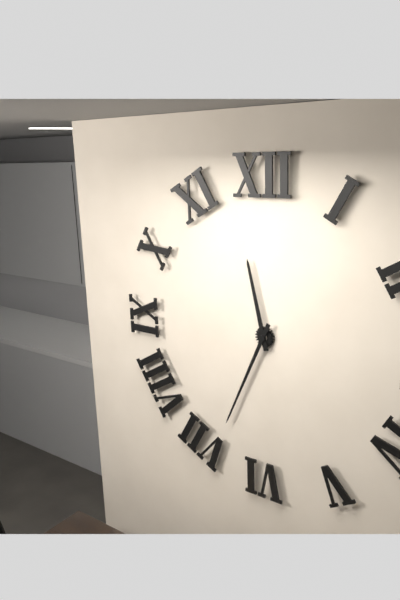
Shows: 11:34
